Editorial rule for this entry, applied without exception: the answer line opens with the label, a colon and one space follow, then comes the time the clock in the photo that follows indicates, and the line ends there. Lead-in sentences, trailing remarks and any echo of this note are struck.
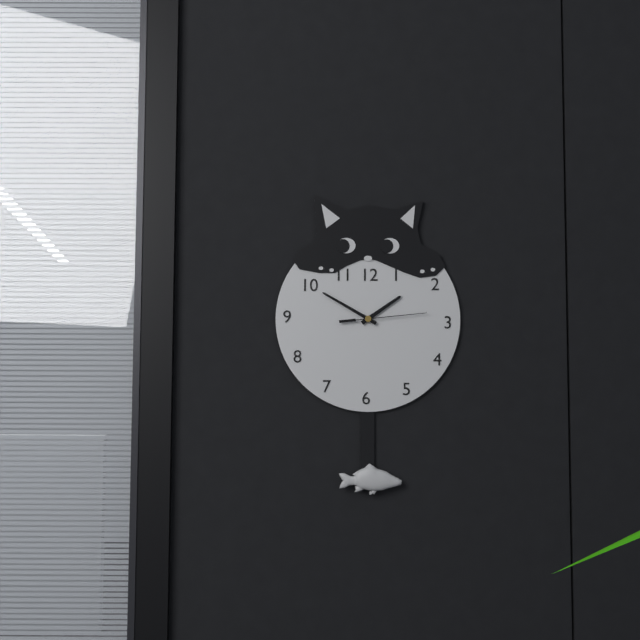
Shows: 1:50:14
